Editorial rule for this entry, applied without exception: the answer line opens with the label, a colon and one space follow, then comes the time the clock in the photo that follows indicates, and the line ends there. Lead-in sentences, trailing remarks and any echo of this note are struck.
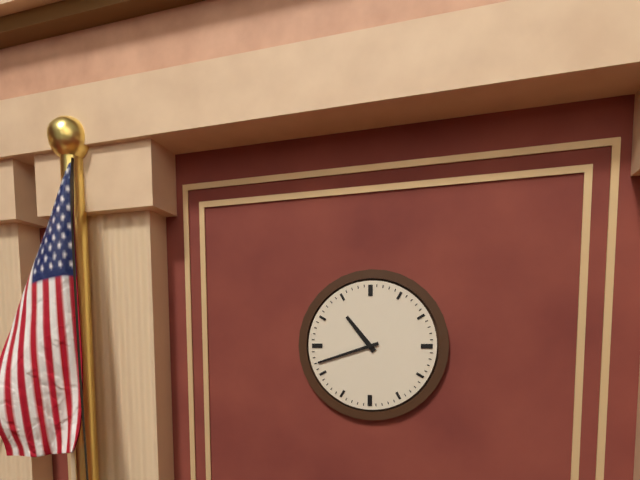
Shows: 10:42
